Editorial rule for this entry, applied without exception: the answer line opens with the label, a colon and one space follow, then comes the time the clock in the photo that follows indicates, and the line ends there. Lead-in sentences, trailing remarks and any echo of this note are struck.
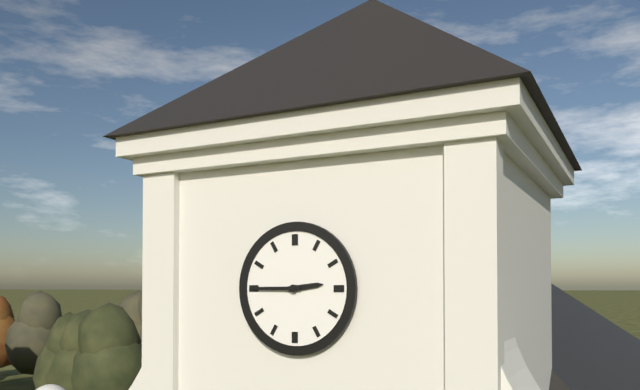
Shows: 2:45
